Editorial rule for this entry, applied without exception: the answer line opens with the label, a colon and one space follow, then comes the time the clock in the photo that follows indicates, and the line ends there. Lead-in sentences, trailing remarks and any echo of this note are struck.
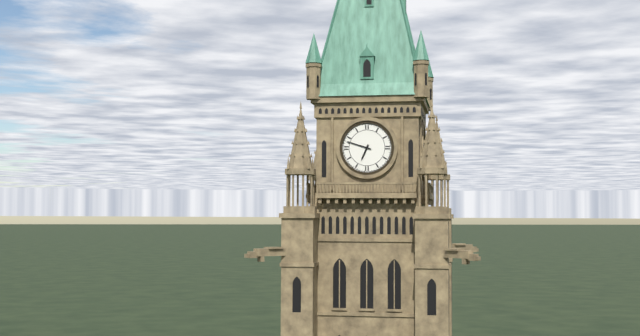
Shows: 6:48
